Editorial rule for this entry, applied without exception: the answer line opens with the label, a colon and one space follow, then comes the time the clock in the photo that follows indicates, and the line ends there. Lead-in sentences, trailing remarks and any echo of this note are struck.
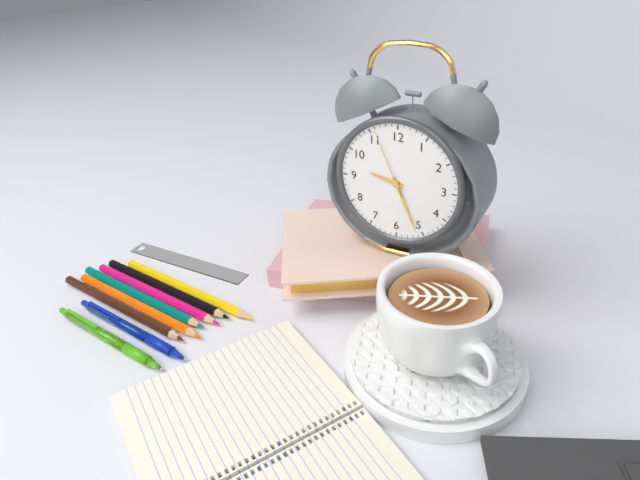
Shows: 9:26:56
